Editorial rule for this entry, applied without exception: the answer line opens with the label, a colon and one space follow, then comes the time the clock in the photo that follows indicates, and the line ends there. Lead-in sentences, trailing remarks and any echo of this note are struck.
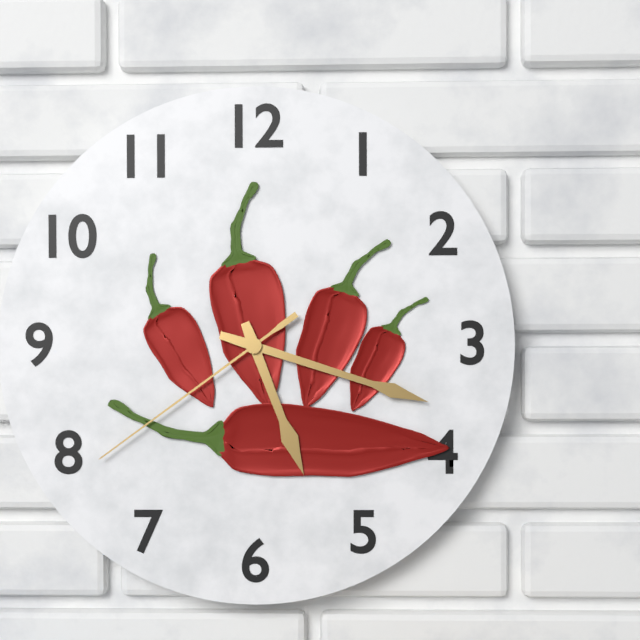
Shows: 5:18:39
